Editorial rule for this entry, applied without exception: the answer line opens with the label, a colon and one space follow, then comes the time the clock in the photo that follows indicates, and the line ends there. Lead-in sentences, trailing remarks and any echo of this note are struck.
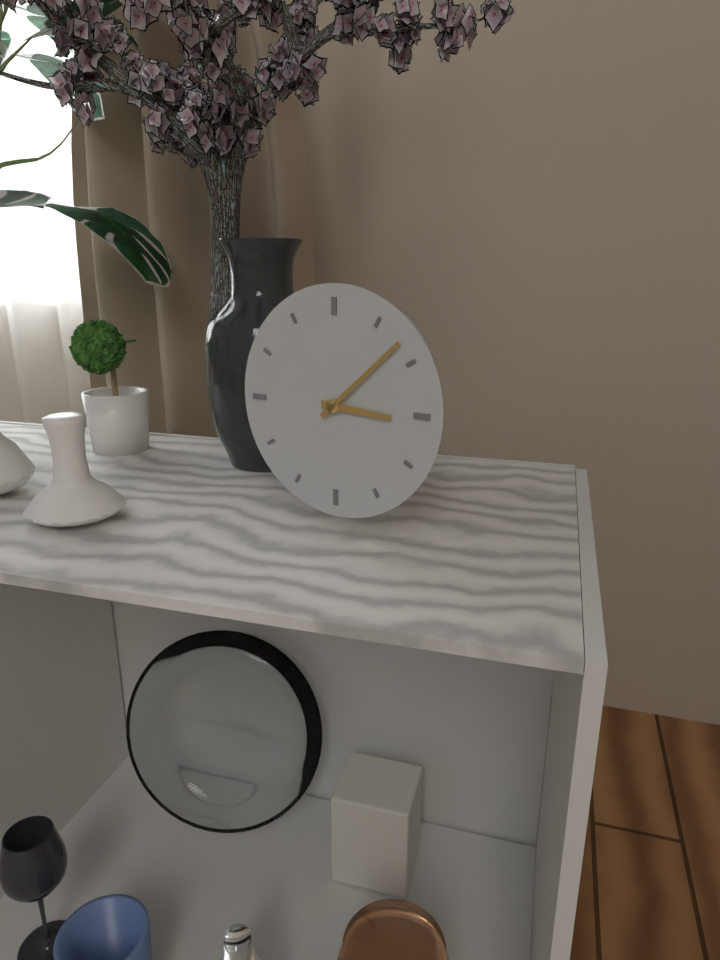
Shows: 3:08
